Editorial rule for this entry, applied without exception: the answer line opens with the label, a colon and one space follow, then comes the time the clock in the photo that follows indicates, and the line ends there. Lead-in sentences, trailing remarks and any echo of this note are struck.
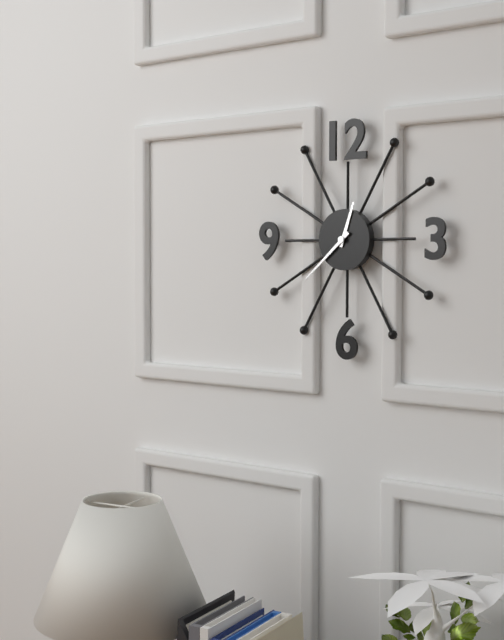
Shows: 12:38
